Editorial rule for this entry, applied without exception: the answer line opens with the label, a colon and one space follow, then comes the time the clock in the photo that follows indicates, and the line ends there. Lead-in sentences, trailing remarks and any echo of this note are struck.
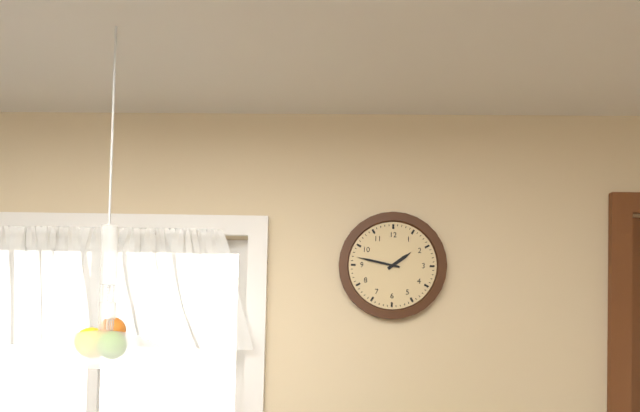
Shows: 1:47
